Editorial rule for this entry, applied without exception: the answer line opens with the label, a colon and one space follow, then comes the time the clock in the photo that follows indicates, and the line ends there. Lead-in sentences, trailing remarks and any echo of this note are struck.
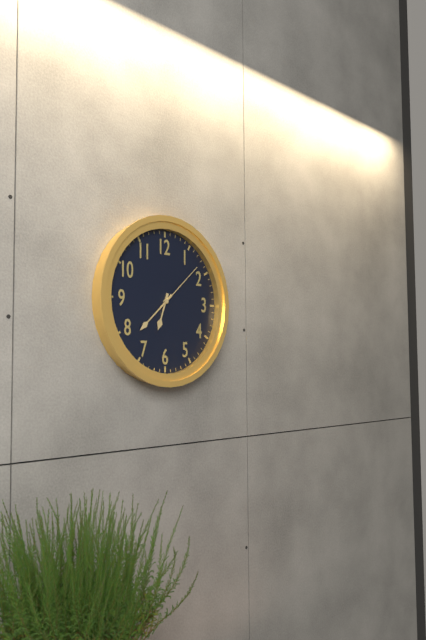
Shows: 6:38:08
